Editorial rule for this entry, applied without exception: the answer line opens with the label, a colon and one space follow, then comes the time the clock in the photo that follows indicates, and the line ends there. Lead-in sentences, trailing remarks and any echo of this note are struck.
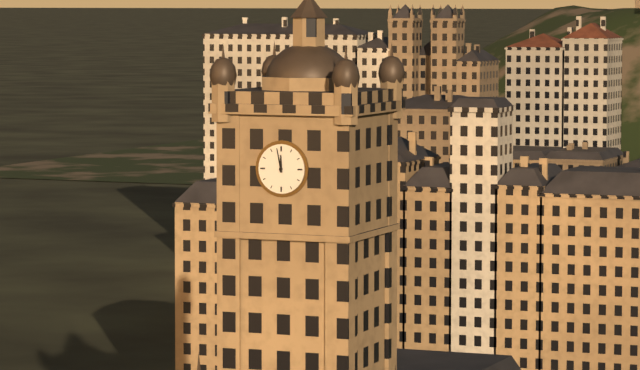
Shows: 11:58
